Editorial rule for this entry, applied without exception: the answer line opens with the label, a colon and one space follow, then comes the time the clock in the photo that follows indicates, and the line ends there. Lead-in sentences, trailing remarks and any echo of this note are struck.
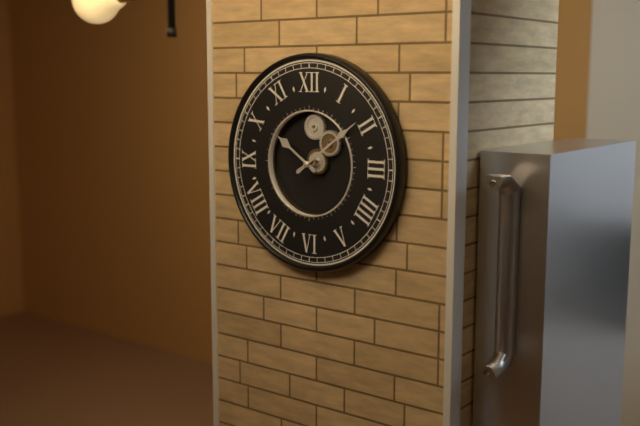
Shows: 10:09
